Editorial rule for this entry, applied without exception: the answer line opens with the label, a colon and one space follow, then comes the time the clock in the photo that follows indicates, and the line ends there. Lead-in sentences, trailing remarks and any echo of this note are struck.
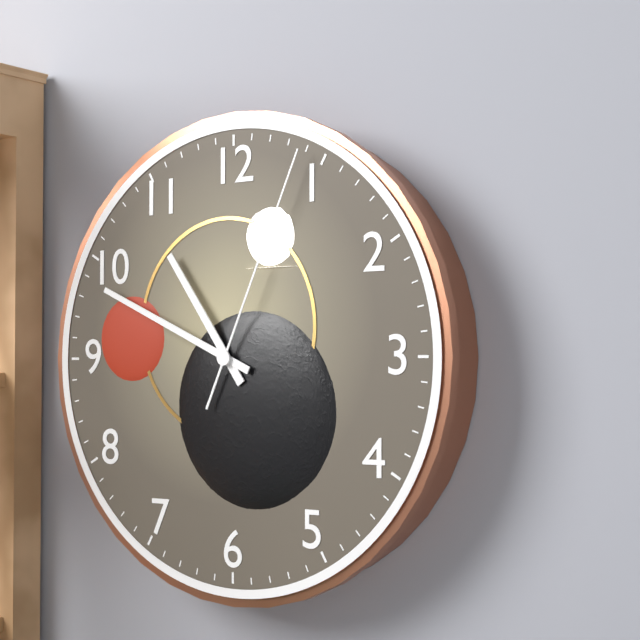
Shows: 10:49:04
